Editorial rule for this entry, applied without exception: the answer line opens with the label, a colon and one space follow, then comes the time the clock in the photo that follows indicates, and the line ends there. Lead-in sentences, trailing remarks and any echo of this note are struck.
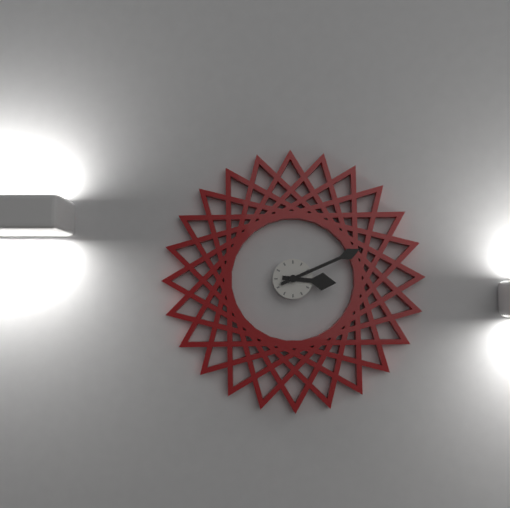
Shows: 3:11
